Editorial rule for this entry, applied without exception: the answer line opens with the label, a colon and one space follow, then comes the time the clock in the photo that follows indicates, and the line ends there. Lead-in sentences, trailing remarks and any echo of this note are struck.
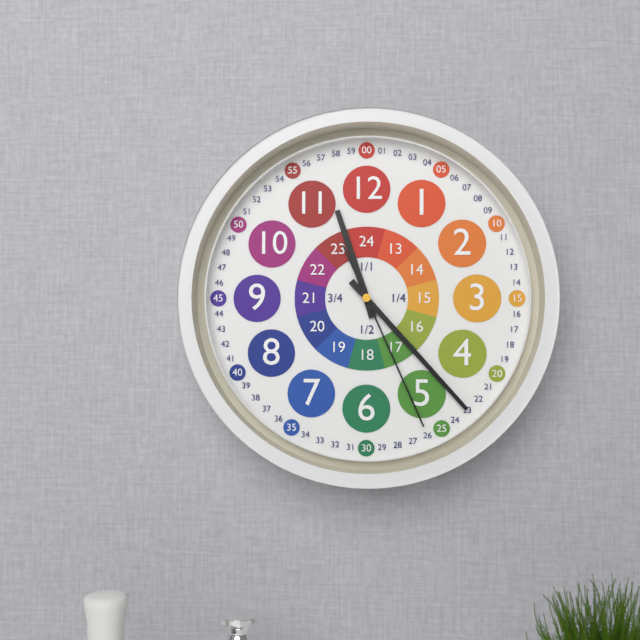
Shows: 11:23:26
